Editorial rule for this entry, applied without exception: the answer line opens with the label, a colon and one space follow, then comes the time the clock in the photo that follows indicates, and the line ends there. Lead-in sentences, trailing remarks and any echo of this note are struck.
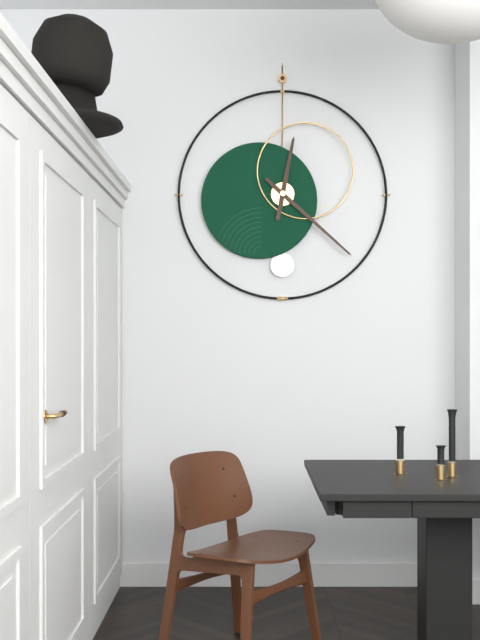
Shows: 12:22
